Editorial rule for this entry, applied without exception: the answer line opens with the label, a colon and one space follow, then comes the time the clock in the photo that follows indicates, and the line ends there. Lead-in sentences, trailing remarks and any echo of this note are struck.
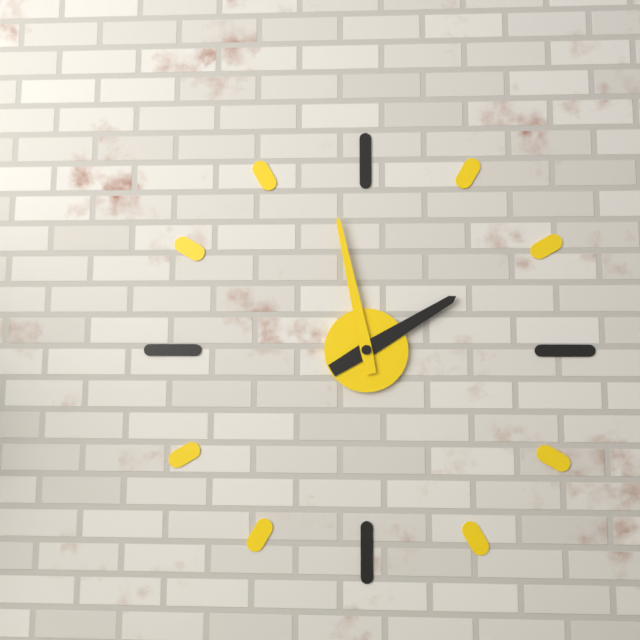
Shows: 1:58
